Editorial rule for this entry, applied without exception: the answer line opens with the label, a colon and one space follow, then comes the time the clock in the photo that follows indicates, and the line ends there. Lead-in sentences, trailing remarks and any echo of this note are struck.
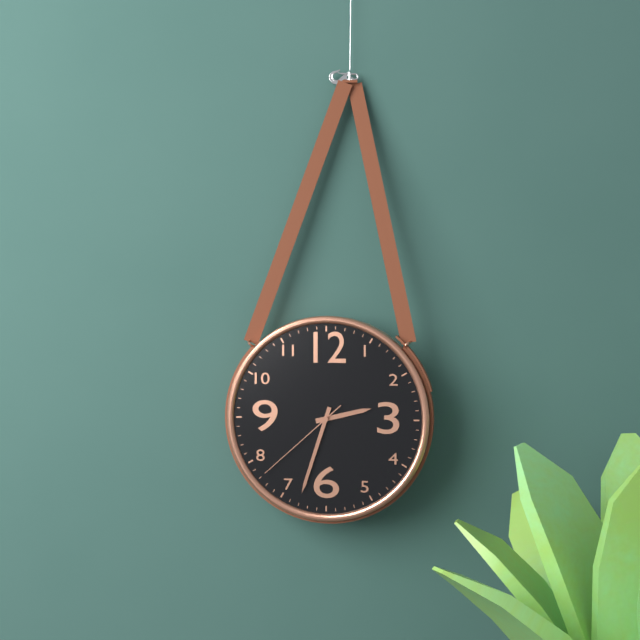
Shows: 2:33:38
